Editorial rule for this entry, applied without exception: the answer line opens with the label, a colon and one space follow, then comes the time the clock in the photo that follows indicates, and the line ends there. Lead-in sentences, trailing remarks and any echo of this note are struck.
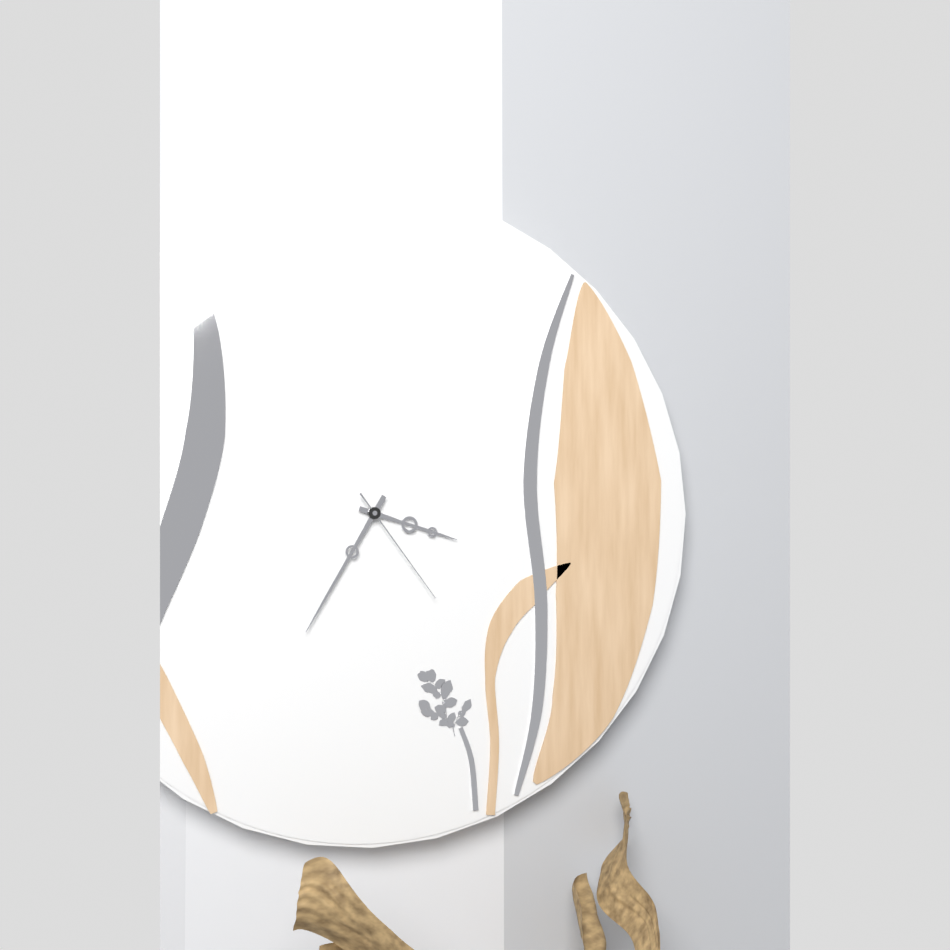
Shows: 3:35:24
